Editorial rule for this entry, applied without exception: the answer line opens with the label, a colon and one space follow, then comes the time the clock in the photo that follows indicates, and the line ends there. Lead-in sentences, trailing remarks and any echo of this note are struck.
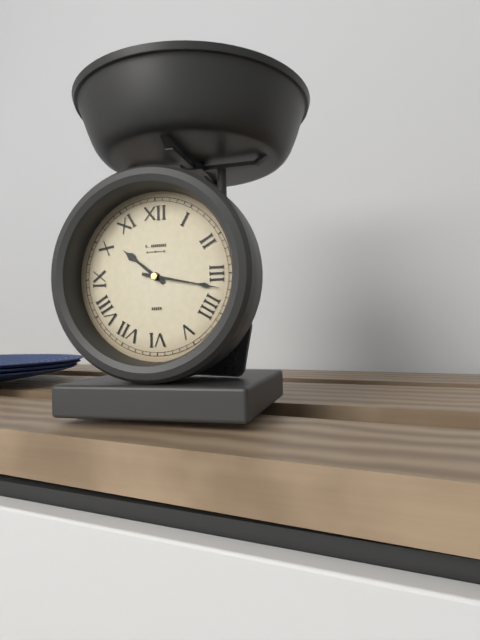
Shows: 10:17
